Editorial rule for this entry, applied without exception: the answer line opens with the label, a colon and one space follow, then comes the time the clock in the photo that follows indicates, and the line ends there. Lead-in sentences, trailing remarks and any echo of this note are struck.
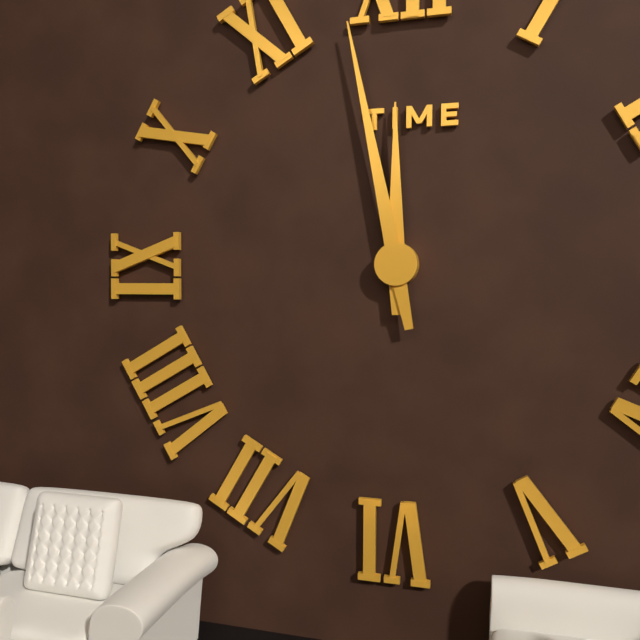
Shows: 11:58
